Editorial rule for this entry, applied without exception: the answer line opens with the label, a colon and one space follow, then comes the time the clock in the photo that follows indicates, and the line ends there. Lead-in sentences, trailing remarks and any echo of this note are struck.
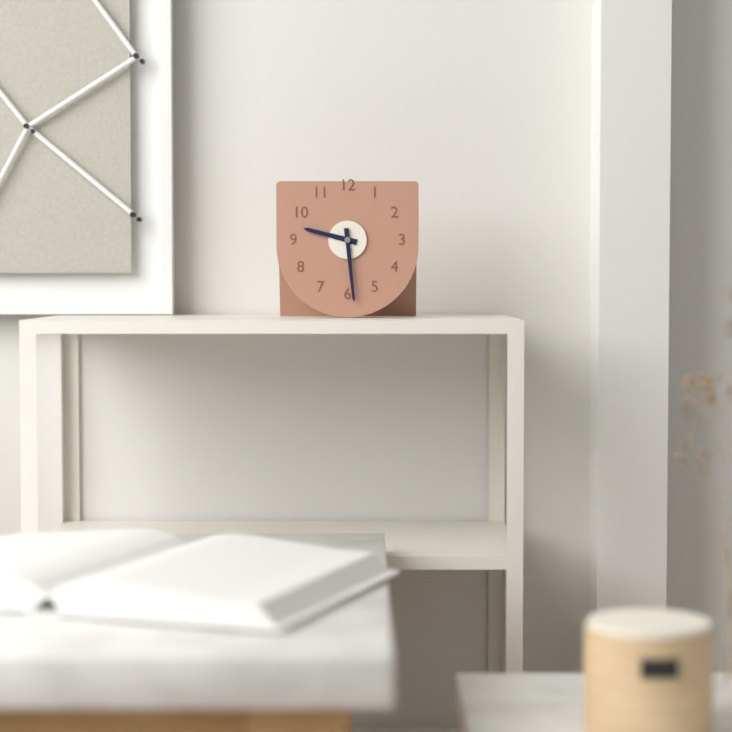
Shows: 9:29
